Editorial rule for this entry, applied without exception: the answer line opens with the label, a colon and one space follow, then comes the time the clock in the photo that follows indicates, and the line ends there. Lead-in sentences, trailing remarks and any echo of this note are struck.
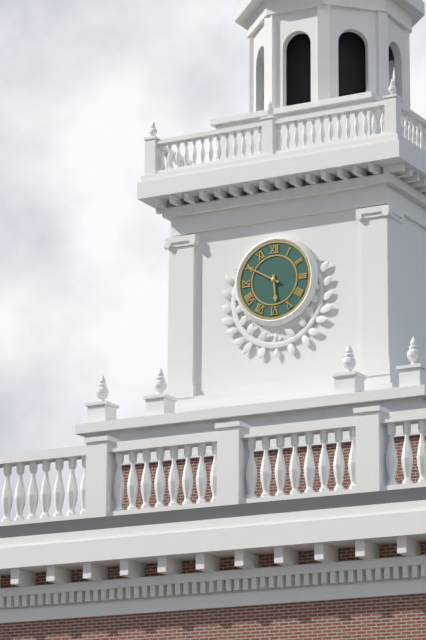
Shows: 5:50
